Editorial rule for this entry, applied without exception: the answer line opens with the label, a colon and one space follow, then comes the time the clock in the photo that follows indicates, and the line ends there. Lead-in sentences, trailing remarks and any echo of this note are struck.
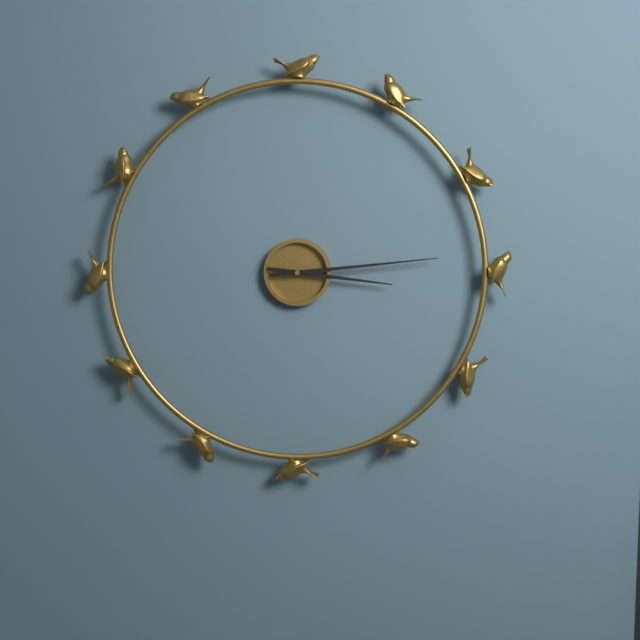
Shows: 3:14
